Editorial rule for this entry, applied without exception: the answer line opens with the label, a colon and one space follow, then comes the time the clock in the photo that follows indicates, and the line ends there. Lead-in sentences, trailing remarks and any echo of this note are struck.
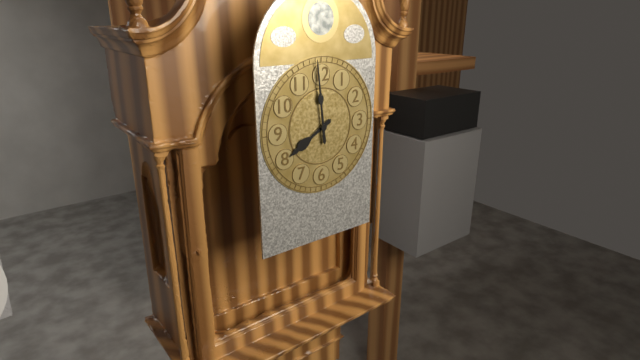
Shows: 7:59
